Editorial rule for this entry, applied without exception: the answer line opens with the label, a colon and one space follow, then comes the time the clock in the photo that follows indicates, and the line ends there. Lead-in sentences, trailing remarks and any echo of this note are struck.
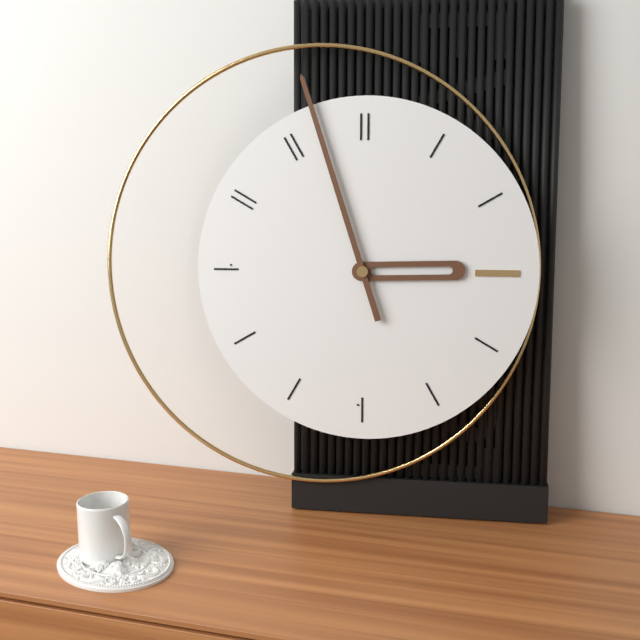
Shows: 2:57
